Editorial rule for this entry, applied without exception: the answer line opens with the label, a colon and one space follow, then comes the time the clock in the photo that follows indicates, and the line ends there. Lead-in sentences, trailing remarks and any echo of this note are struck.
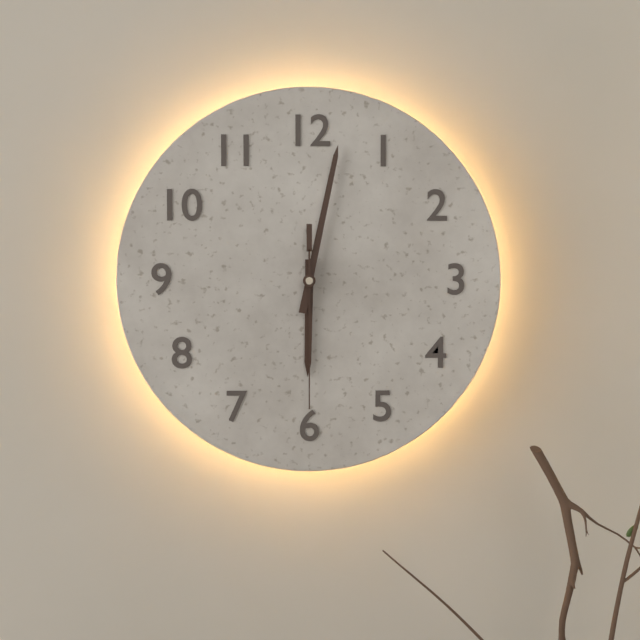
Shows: 6:02:30
